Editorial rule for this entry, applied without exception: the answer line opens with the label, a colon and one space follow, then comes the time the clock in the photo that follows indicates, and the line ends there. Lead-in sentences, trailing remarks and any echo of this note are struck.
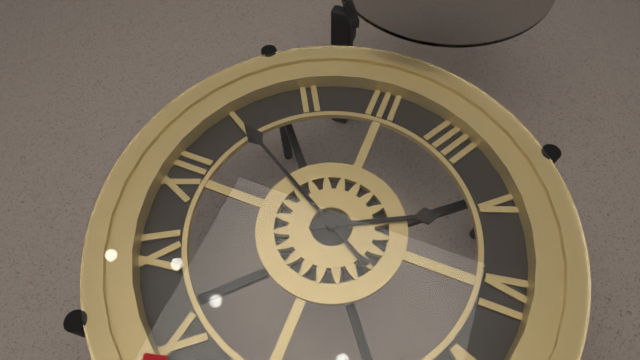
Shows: 5:05
